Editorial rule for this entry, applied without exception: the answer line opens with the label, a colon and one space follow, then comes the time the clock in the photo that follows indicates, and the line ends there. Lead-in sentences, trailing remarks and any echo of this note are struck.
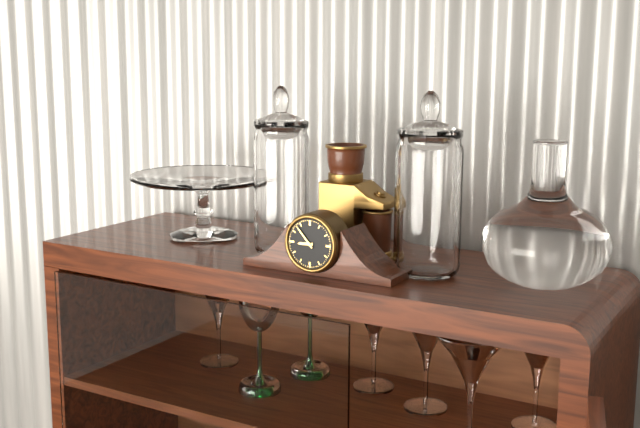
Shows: 8:53
